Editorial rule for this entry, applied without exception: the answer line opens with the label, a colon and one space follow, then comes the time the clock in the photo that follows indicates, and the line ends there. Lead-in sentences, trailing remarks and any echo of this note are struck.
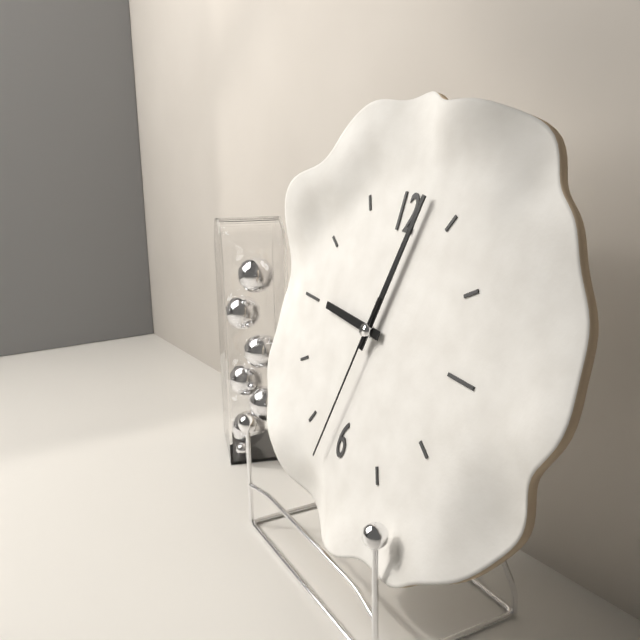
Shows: 9:02:32
